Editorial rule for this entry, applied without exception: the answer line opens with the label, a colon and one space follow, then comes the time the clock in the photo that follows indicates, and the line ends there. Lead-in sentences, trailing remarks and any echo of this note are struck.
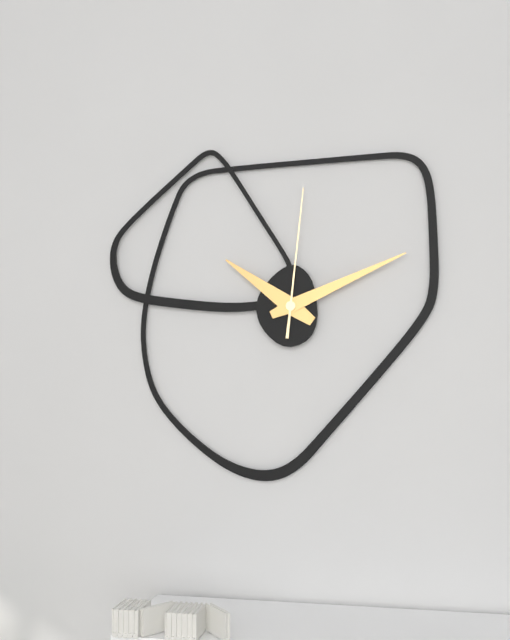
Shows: 10:11:01
